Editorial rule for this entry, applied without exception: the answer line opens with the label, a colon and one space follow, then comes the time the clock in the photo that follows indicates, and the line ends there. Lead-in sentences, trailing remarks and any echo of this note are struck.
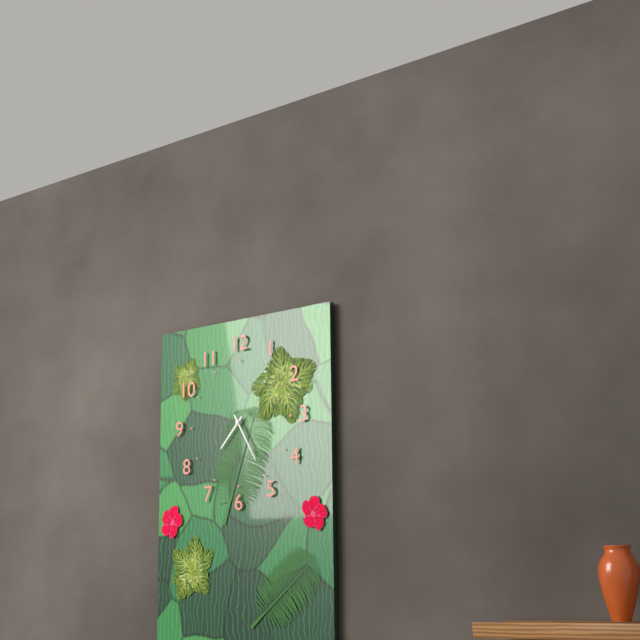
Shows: 7:25
